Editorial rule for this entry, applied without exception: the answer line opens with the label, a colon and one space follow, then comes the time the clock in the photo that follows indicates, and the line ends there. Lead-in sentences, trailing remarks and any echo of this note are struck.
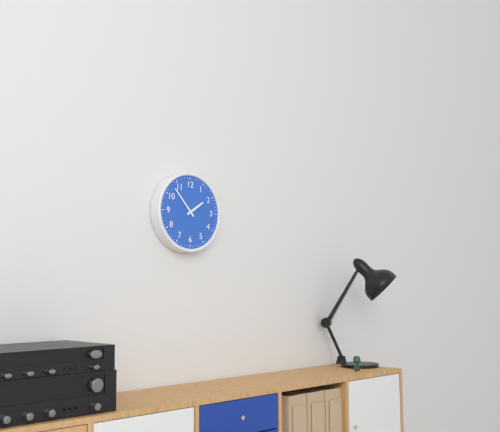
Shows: 1:53
